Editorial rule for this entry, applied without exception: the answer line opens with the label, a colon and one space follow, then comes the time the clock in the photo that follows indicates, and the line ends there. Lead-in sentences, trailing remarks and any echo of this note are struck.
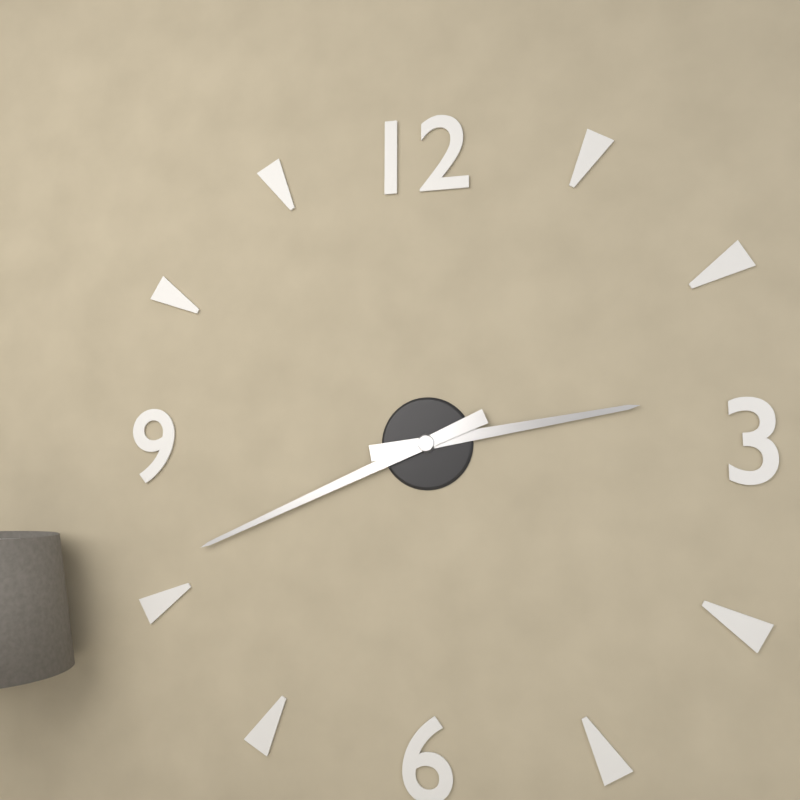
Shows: 2:41
